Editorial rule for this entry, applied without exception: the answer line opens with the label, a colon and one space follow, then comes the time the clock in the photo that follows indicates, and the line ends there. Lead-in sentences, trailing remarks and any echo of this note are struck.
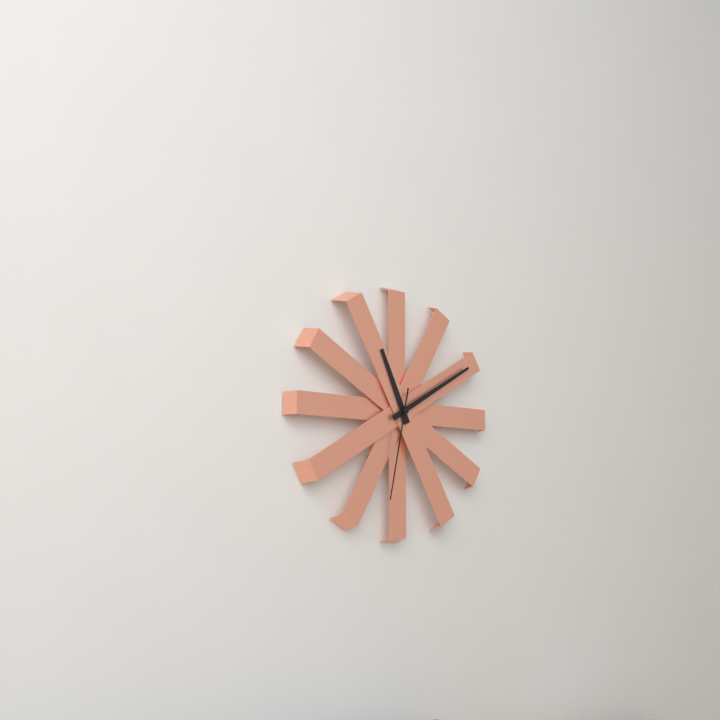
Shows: 11:10:32
